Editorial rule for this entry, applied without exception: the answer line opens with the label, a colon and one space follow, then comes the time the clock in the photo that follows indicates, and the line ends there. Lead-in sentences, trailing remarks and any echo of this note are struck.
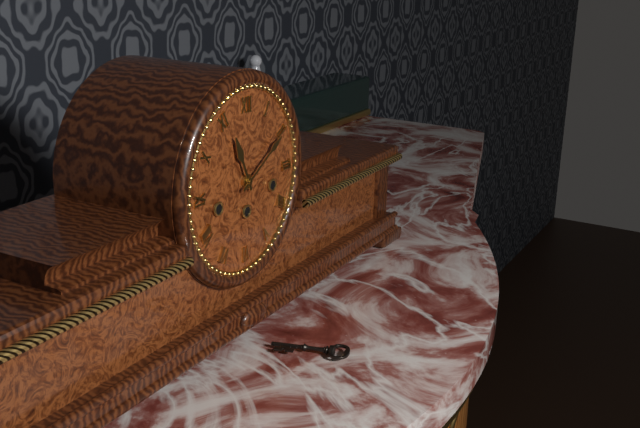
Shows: 11:10
